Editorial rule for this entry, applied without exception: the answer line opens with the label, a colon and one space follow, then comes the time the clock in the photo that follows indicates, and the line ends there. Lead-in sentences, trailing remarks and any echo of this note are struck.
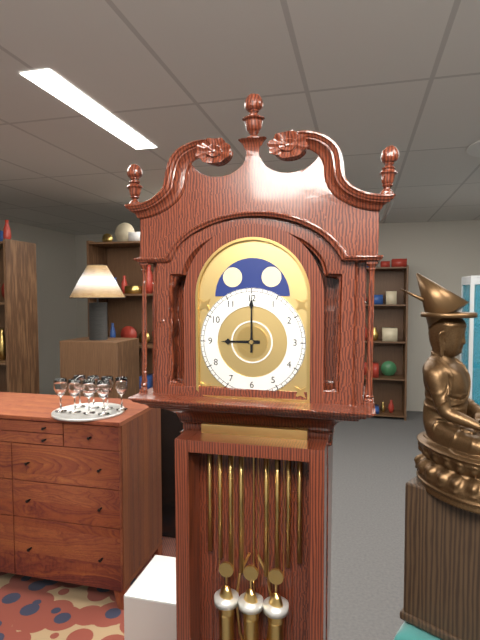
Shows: 9:00
